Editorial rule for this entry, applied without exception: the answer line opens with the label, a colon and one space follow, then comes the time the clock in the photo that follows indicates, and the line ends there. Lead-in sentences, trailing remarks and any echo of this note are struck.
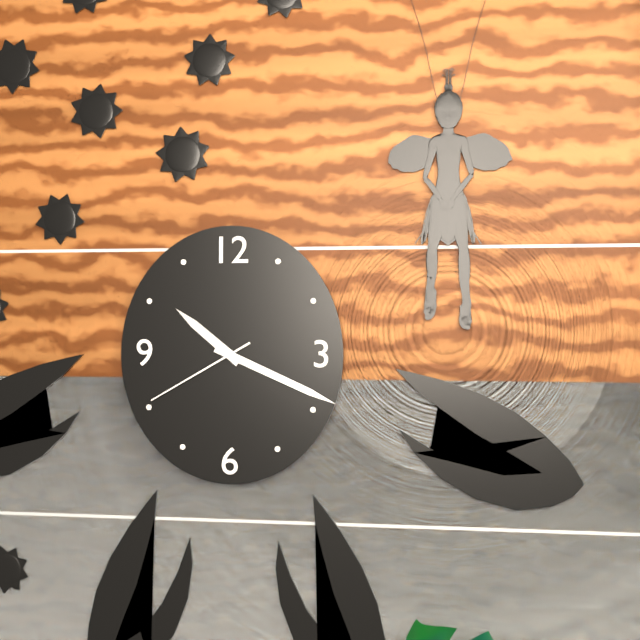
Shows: 10:19:40
